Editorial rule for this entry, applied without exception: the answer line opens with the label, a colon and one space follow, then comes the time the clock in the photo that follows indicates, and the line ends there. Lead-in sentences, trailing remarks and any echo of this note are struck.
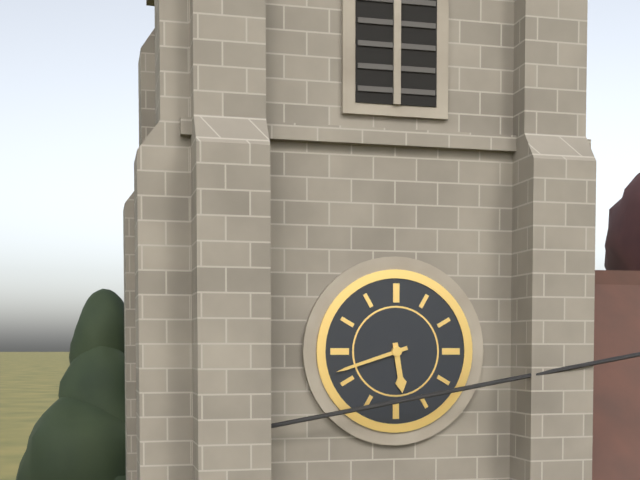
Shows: 5:42
